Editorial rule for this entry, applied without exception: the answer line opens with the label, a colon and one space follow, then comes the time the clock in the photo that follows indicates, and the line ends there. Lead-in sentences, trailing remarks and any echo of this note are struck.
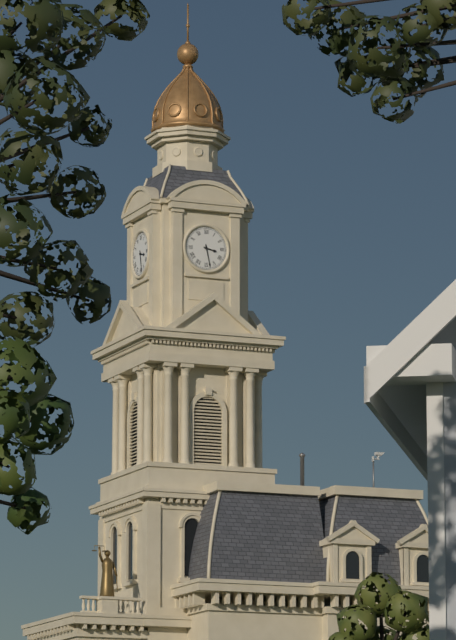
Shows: 3:28
